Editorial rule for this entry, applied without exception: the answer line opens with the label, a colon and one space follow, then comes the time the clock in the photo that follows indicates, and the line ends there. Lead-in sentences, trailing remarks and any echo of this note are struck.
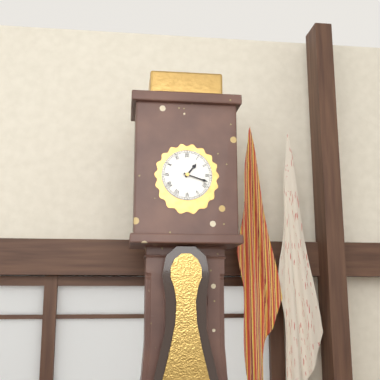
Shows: 1:18
